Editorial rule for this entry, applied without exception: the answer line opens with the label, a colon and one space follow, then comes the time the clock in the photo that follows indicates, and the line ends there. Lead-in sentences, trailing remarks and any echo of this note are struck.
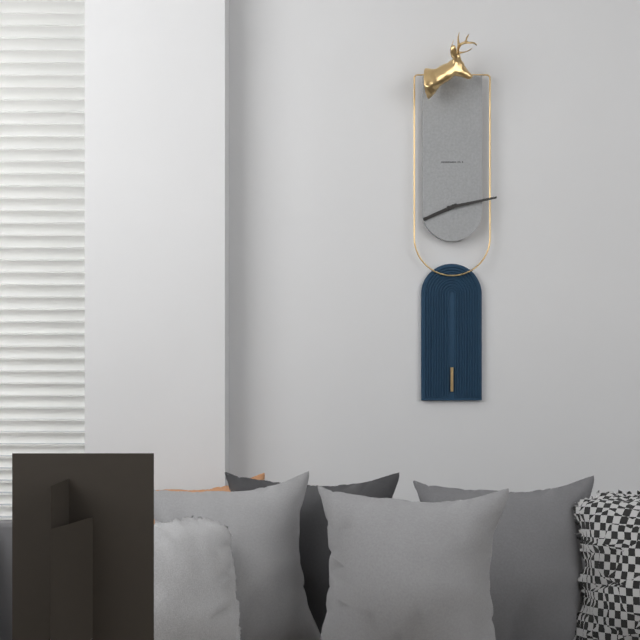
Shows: 8:13
